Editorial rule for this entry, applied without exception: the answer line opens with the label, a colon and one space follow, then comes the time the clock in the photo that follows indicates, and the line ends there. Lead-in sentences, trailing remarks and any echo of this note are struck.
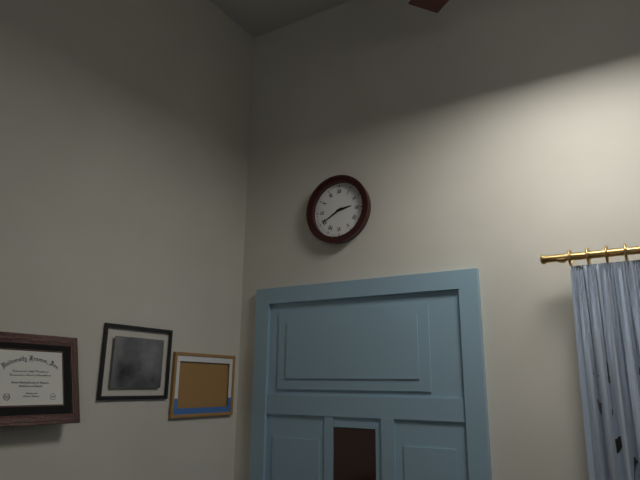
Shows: 2:40
